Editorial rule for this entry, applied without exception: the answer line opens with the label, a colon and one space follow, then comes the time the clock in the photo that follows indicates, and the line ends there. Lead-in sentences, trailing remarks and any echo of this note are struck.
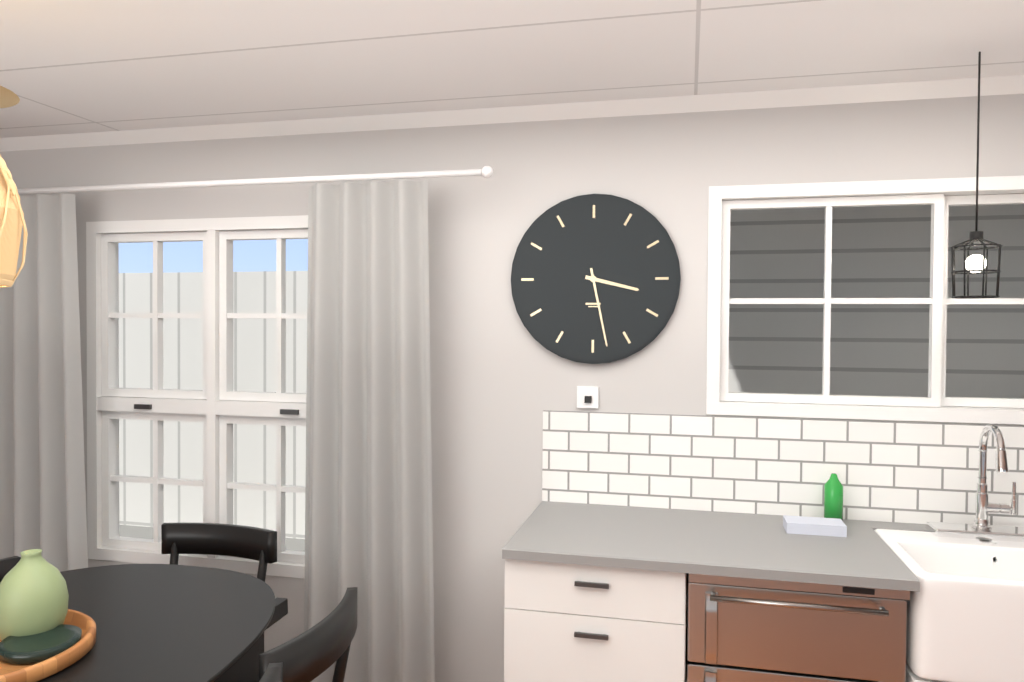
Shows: 3:28
